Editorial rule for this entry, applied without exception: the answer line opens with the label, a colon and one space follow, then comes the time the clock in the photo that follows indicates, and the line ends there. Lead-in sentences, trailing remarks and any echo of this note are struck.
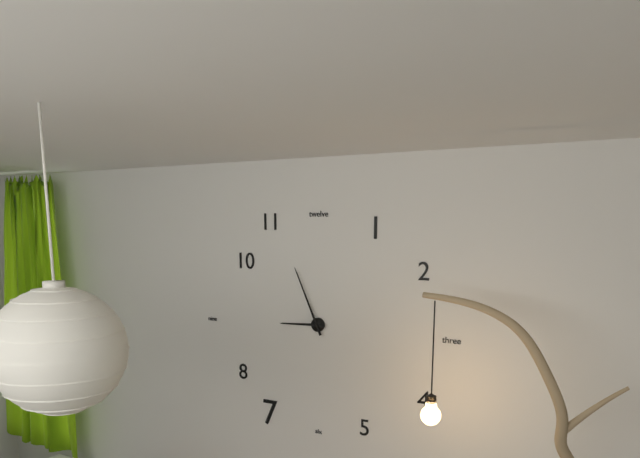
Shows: 8:56
